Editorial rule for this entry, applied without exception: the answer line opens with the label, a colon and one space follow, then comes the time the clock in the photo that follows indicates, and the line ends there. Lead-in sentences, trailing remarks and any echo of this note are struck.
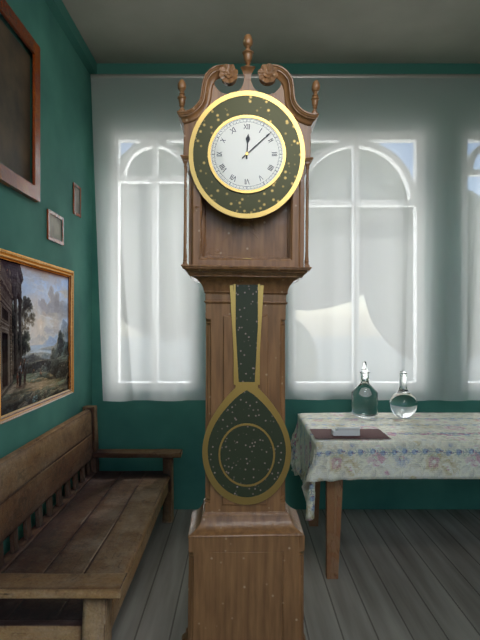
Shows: 12:08
